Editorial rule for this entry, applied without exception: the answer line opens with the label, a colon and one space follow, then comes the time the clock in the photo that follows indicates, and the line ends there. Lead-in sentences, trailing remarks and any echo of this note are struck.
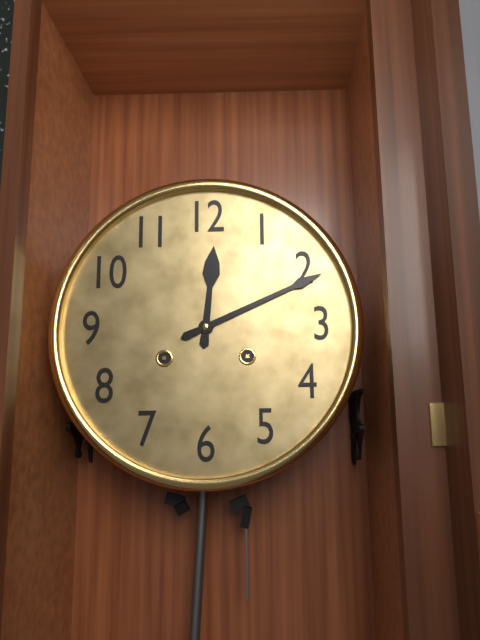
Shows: 12:11
